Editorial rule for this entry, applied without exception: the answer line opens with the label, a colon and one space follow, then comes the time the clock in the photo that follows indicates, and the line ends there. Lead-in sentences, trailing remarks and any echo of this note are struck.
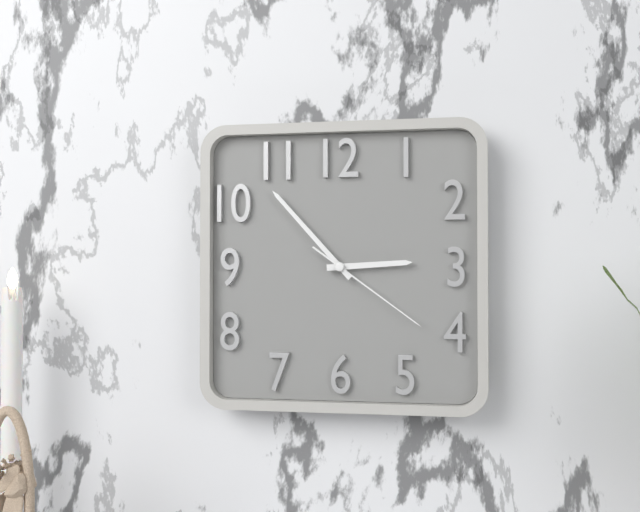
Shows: 2:53:21
